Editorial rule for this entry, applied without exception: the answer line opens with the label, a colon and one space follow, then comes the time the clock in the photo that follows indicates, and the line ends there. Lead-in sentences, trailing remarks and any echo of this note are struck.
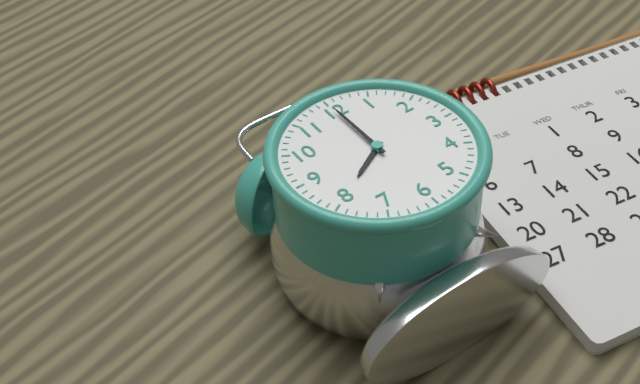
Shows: 8:00
